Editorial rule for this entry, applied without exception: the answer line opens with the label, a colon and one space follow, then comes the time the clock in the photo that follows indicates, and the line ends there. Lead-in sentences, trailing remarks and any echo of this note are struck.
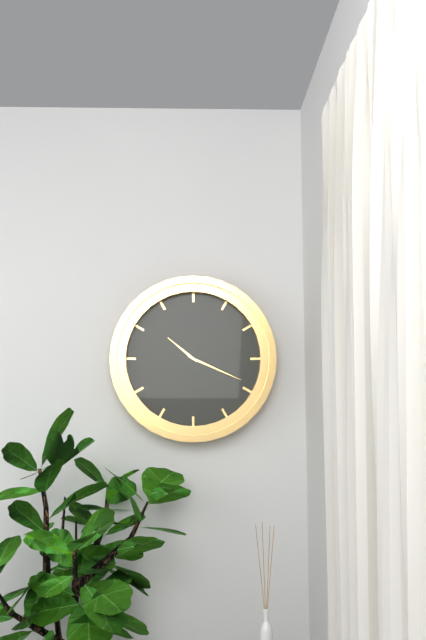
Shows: 10:19
